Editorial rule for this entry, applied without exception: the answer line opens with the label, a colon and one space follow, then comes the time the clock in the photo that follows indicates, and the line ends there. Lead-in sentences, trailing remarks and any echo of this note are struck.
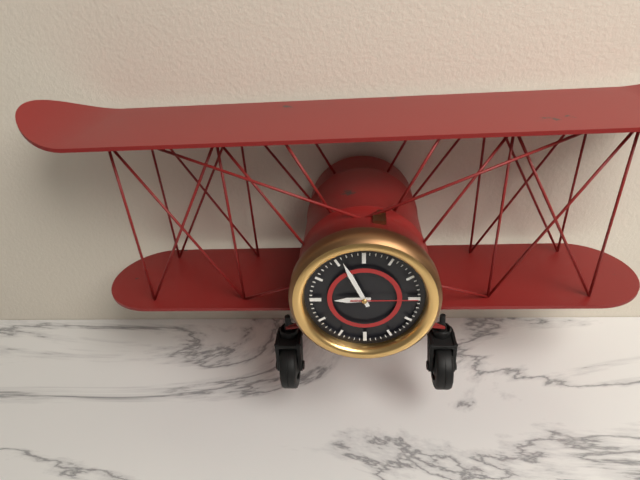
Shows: 8:56:15
